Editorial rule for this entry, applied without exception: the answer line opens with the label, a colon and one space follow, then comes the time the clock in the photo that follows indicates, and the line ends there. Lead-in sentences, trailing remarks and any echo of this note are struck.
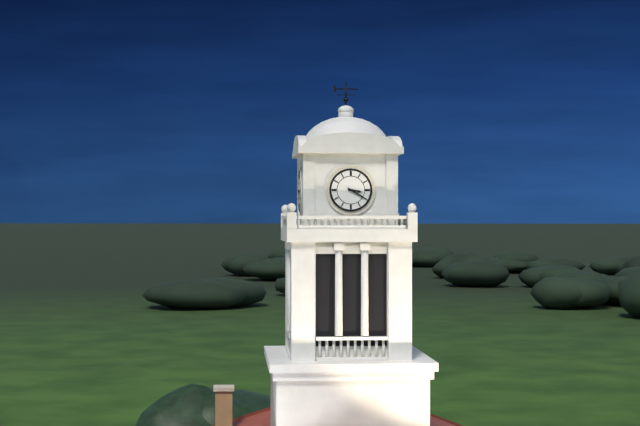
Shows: 3:20
